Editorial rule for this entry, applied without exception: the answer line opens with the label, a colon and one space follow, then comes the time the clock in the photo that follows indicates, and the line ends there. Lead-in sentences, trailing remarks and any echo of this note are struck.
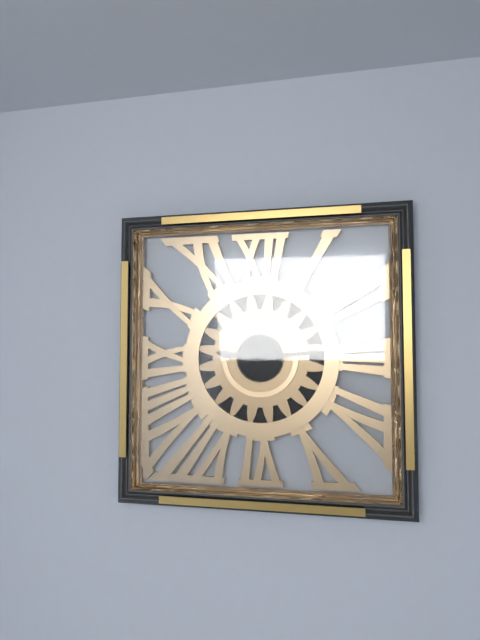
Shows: 9:14
